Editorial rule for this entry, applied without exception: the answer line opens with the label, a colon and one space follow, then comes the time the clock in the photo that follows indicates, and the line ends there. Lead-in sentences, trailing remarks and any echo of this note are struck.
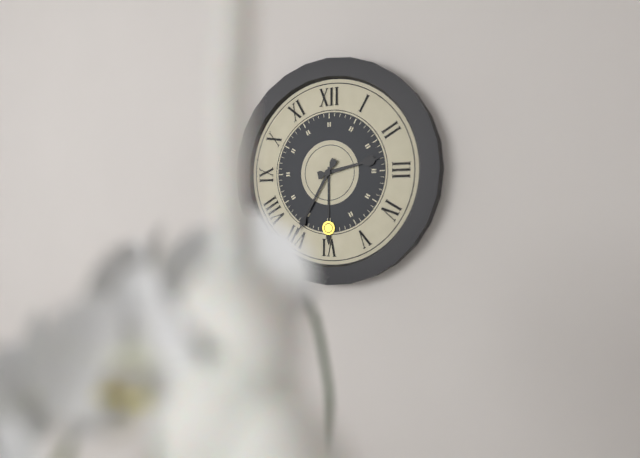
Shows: 2:35
